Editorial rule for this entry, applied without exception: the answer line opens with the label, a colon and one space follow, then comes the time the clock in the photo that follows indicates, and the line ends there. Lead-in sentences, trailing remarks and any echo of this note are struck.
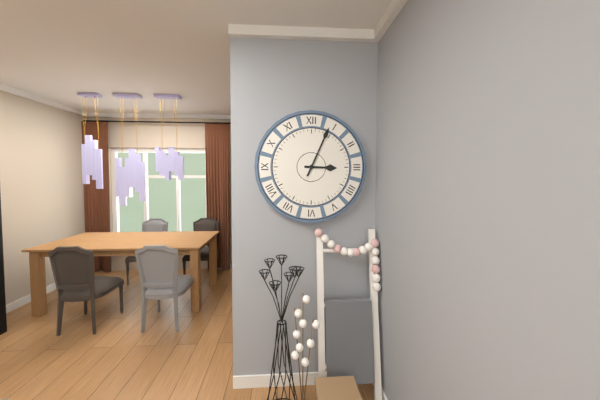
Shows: 3:04
